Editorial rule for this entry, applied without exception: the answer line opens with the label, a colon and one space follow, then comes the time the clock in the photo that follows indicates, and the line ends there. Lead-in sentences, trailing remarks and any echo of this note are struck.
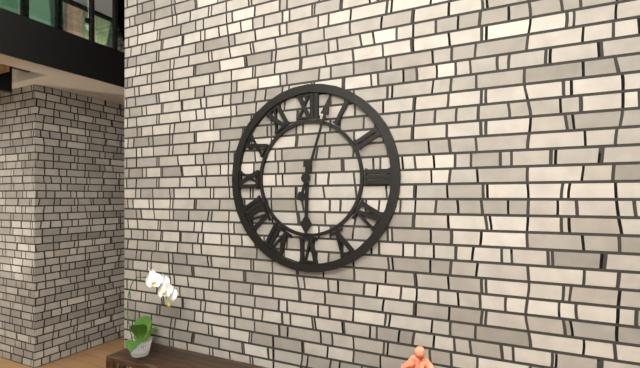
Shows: 6:03
